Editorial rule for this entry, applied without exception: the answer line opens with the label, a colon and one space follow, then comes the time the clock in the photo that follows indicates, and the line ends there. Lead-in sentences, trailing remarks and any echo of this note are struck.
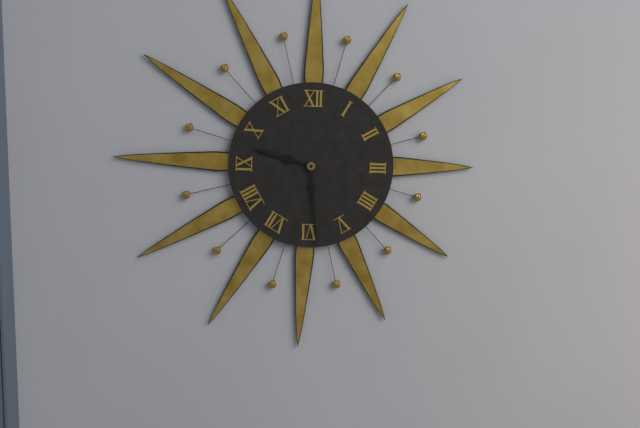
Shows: 9:29
